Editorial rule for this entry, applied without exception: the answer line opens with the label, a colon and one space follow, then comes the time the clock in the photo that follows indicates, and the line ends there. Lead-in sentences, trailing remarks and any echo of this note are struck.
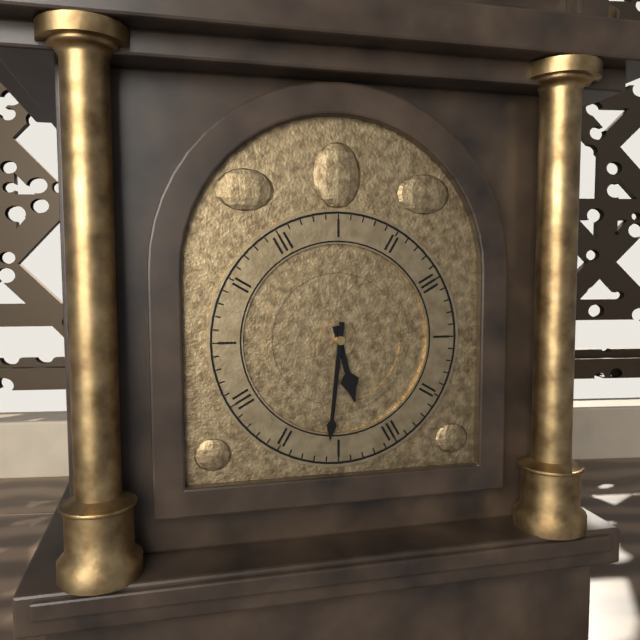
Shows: 5:31
